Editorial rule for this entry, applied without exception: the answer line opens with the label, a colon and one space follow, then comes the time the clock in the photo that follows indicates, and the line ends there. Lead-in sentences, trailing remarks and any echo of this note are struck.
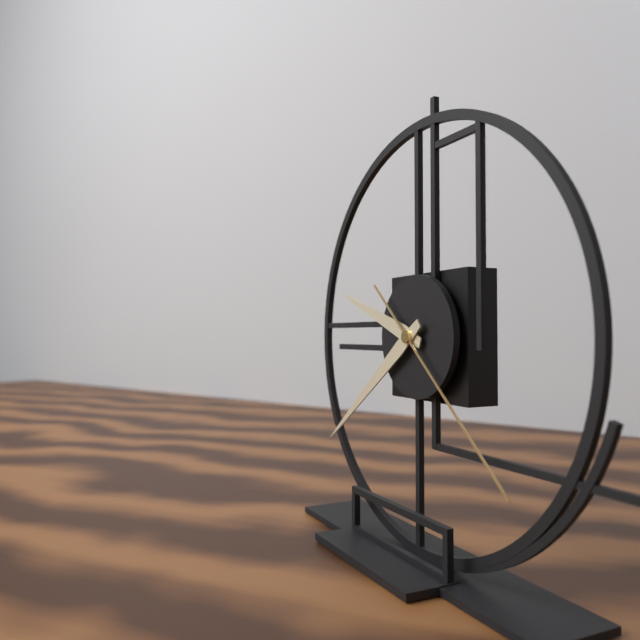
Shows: 9:39:22
